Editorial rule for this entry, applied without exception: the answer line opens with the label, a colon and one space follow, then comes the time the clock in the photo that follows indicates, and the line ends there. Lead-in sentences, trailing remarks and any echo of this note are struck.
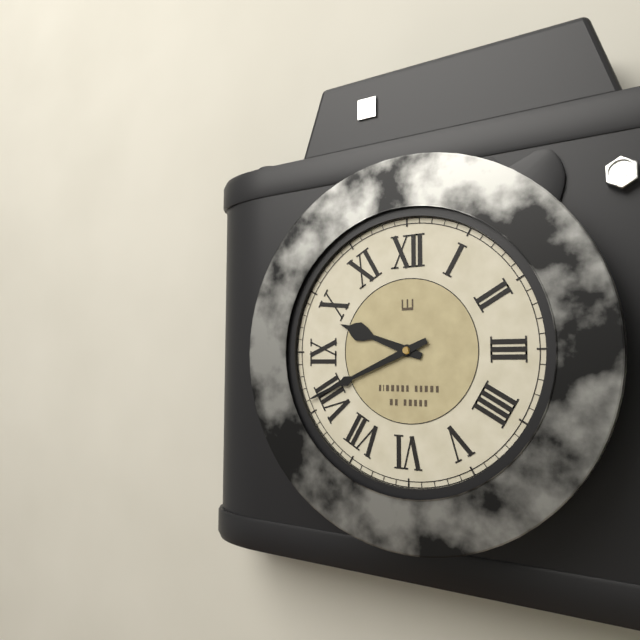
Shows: 9:41
